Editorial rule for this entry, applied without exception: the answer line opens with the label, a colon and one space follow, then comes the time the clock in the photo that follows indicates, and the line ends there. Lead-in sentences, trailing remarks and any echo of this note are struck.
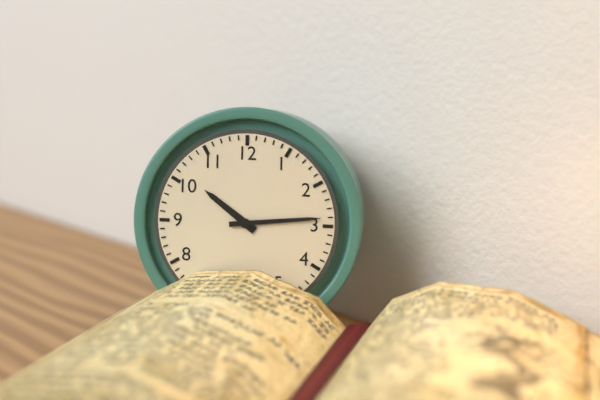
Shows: 10:14
